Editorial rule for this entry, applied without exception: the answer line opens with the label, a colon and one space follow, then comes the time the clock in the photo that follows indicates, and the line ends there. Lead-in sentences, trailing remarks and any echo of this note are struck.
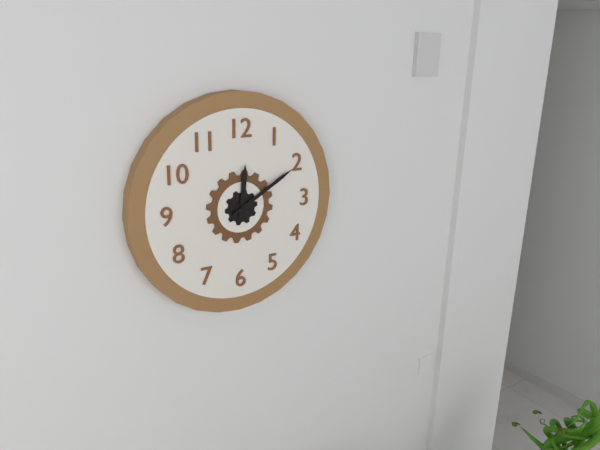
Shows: 12:10
